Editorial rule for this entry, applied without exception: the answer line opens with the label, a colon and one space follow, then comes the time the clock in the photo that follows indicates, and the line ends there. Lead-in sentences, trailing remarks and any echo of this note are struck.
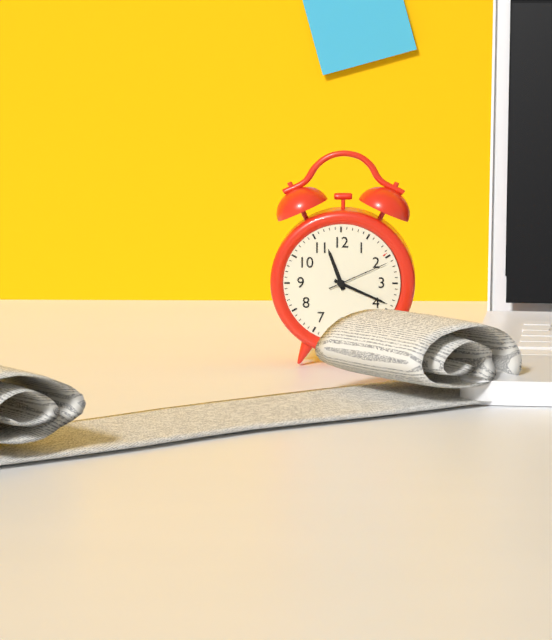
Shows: 11:19:11
